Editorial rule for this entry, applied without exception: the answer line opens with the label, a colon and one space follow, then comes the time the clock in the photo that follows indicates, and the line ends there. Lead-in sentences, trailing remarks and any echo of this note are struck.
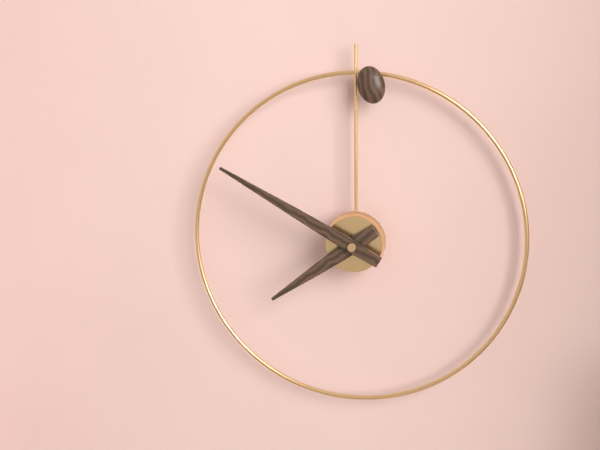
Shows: 7:50
